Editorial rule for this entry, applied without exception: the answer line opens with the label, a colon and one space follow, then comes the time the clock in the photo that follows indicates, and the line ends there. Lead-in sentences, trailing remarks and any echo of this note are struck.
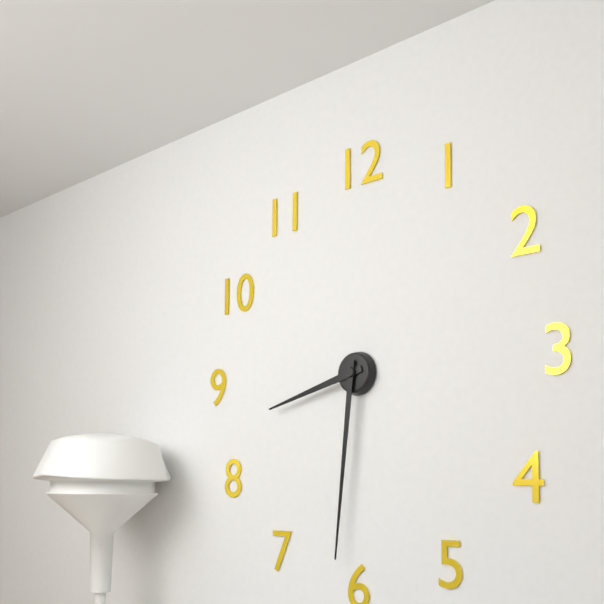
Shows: 8:31
